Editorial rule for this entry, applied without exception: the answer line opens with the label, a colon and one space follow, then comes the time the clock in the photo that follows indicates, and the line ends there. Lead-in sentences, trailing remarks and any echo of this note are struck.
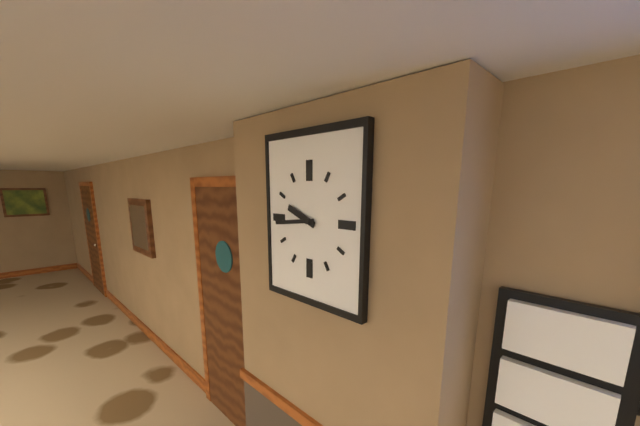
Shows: 9:44
